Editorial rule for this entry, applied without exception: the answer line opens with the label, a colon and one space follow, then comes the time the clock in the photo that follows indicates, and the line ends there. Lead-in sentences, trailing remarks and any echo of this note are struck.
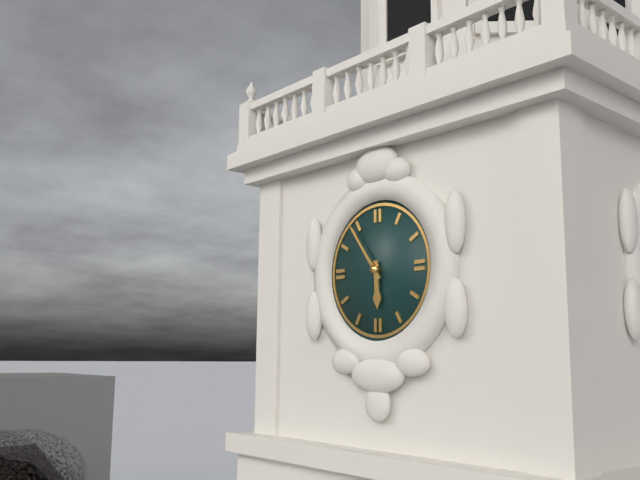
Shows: 5:54
